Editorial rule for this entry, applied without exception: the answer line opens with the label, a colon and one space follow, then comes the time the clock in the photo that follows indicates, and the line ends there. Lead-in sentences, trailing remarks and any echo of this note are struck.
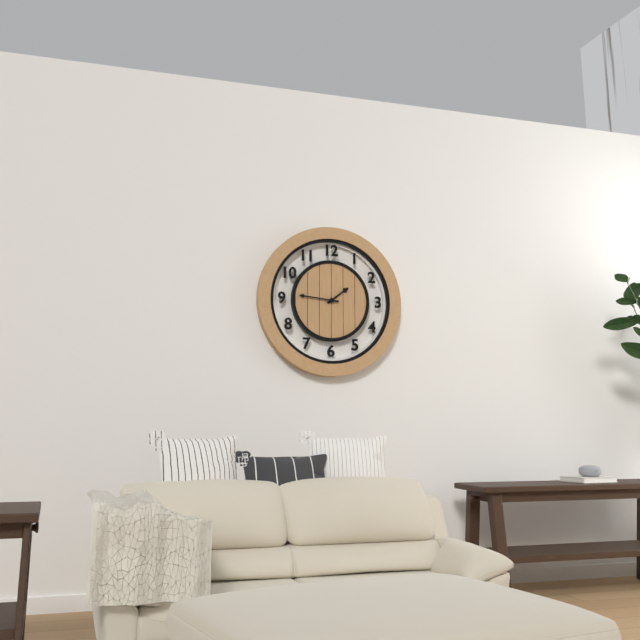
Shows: 1:46
